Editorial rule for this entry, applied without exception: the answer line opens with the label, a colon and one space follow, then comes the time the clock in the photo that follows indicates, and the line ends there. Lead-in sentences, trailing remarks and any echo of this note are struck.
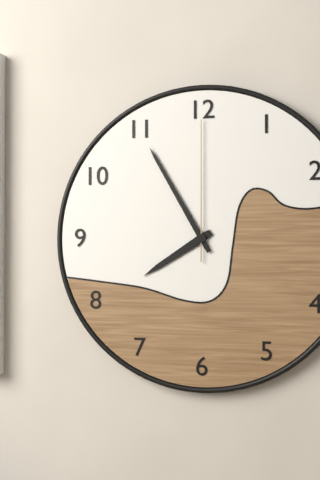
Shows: 7:55:00
